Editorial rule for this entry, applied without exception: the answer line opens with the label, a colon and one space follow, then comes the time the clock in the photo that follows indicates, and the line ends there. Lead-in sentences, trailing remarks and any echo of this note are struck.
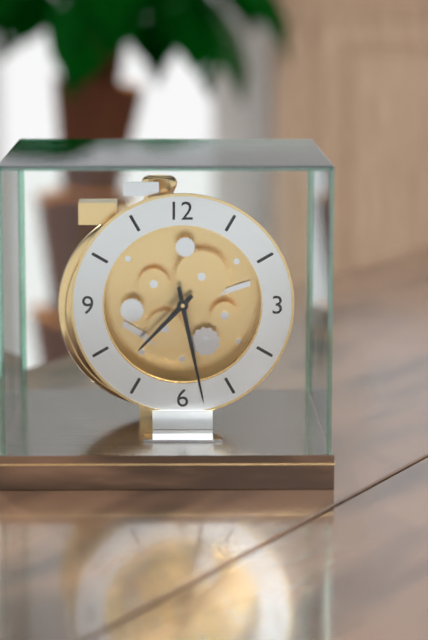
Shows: 7:28
